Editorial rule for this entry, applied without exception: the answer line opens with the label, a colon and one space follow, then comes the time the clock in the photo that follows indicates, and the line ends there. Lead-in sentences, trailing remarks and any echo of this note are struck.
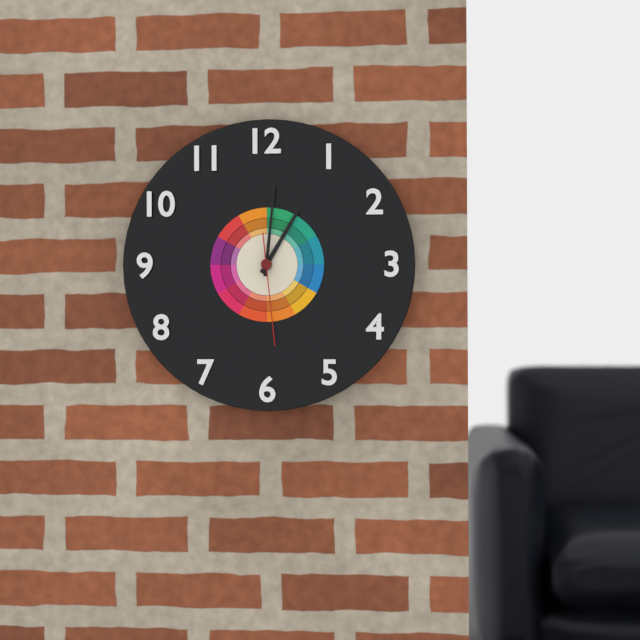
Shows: 1:01:29
